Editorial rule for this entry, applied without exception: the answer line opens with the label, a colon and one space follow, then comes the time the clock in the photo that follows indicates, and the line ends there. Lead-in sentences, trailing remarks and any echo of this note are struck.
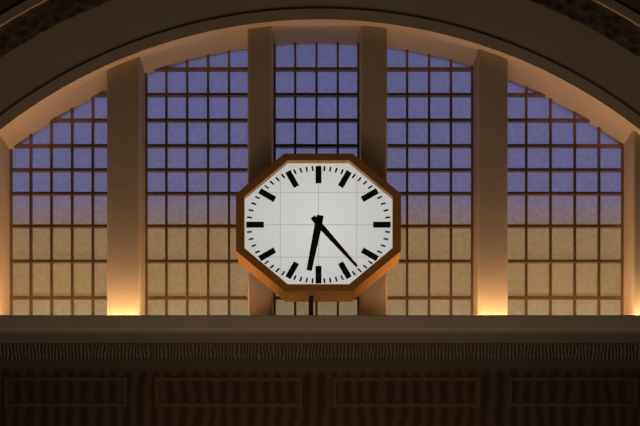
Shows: 6:23
